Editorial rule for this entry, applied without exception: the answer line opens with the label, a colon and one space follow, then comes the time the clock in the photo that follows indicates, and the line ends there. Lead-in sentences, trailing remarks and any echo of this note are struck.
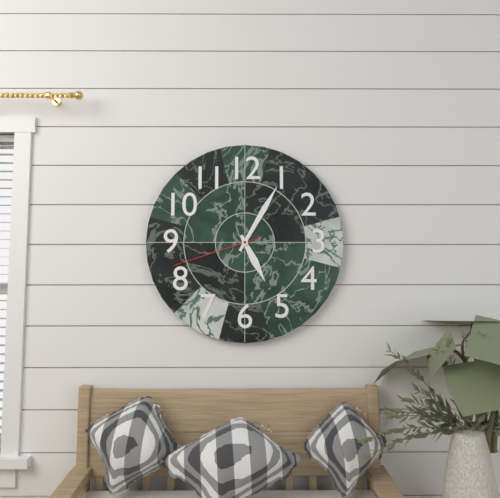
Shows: 5:05:42
